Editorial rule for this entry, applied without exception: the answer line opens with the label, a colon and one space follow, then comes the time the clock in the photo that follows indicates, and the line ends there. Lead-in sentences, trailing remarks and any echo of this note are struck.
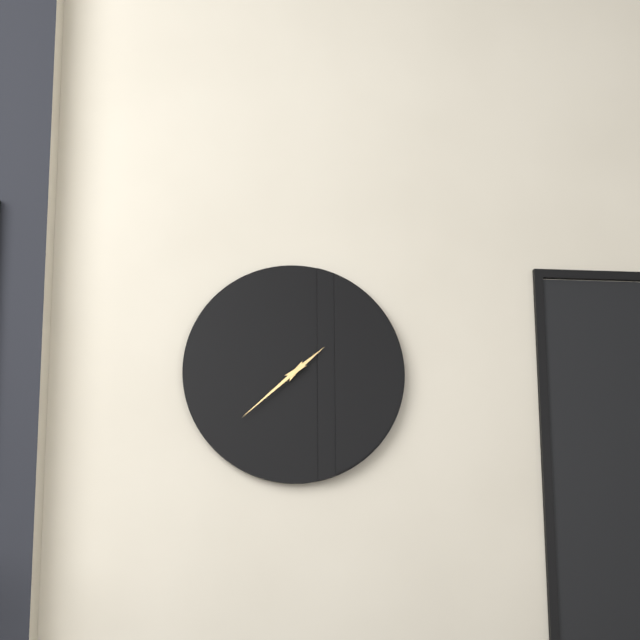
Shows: 1:38
